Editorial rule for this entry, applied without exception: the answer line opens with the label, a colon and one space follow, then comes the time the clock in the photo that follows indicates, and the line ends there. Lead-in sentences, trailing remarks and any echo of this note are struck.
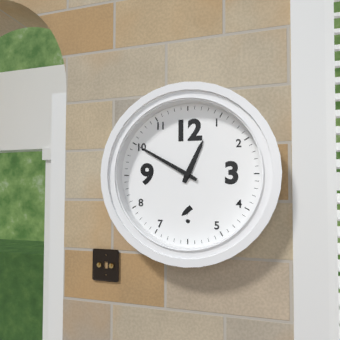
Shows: 12:50
